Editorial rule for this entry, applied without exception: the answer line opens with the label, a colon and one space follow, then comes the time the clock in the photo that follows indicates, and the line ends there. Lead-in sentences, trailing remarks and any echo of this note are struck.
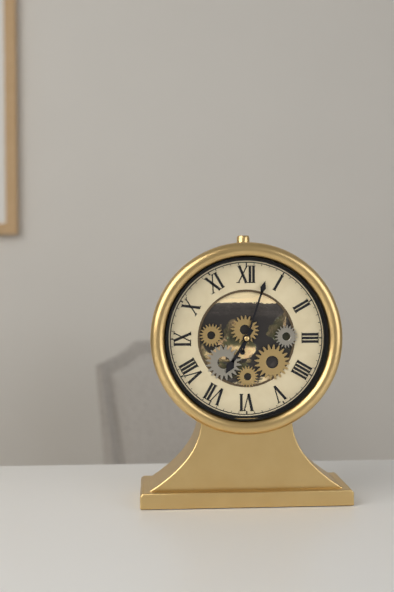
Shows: 7:03
